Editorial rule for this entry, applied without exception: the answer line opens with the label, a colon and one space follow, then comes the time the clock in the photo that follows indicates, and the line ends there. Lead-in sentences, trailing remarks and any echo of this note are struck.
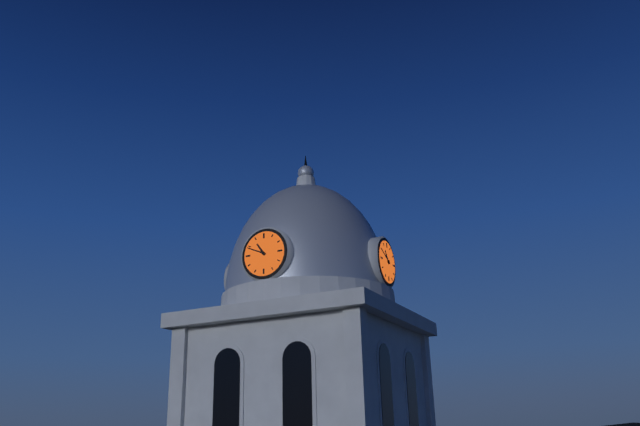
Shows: 10:49
